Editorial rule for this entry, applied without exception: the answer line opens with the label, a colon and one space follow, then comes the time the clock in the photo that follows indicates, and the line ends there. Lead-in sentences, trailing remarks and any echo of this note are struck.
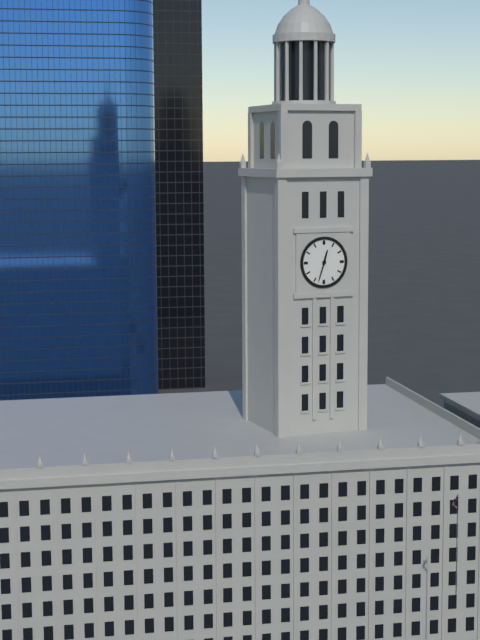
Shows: 12:33
